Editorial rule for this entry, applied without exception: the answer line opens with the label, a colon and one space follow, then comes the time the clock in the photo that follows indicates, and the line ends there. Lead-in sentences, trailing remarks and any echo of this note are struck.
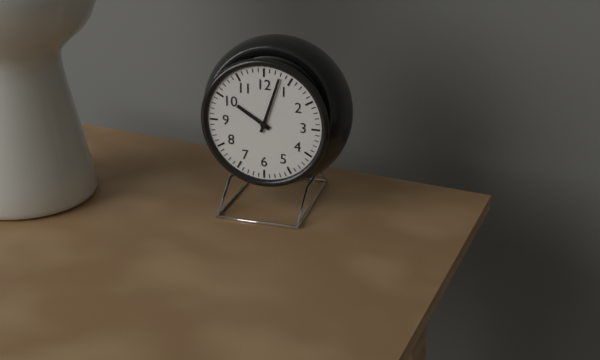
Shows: 10:03
